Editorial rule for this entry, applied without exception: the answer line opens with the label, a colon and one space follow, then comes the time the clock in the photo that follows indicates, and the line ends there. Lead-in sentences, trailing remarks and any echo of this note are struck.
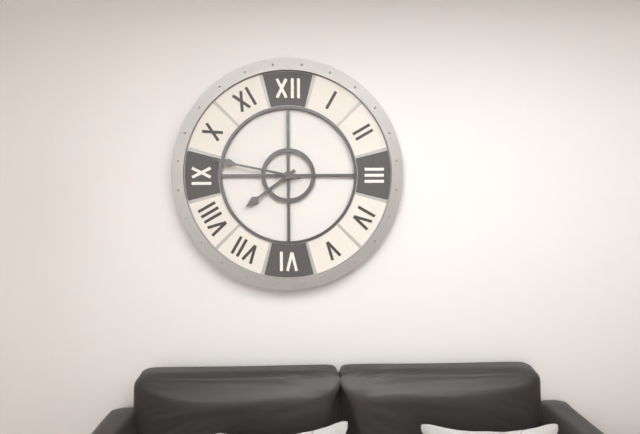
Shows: 7:47
